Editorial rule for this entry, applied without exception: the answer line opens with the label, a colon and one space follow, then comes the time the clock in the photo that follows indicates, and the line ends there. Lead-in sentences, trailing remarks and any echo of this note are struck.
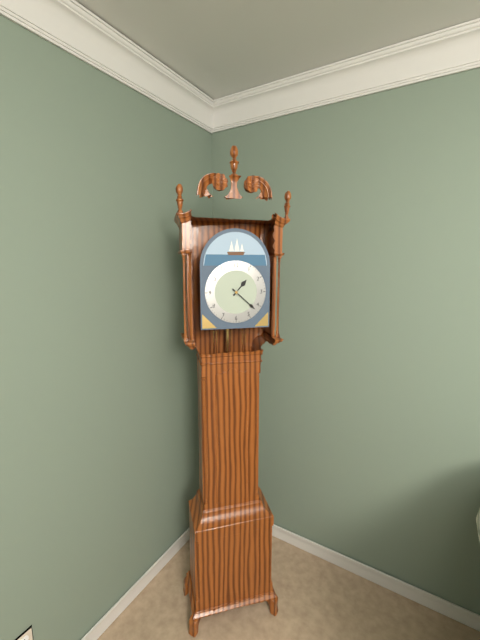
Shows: 1:22
